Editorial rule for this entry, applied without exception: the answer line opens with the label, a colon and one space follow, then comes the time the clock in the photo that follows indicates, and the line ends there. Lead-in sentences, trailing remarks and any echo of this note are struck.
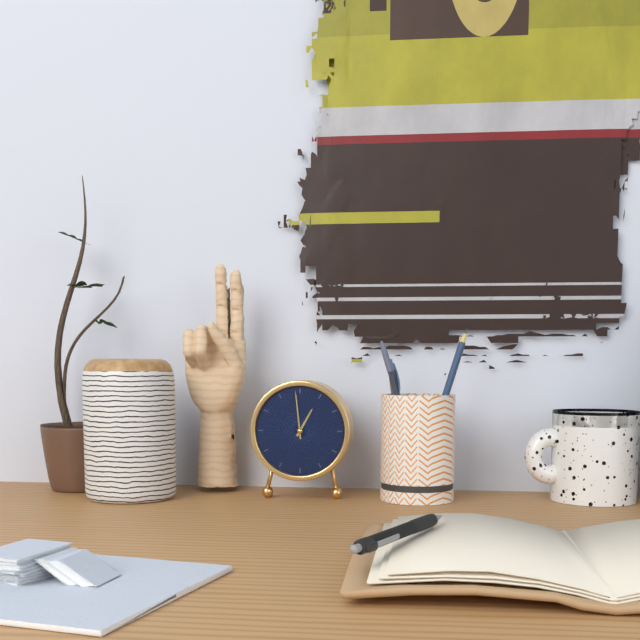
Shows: 12:59
